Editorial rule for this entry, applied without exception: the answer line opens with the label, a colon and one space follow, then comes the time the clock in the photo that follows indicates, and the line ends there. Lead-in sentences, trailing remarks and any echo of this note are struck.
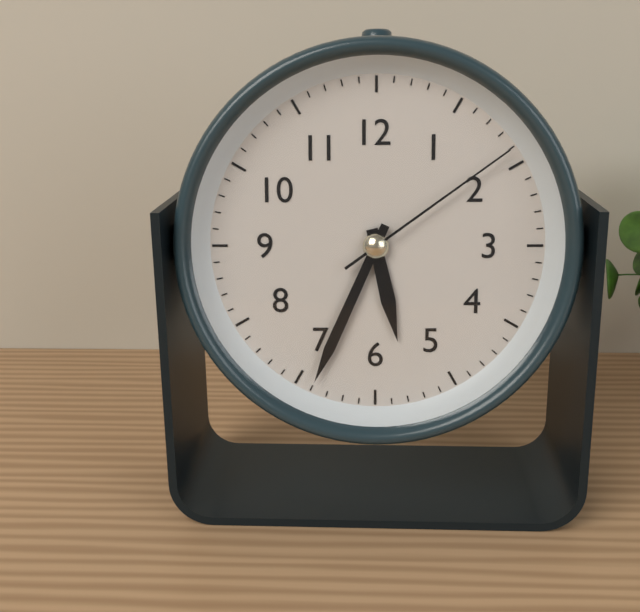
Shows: 5:34:09
